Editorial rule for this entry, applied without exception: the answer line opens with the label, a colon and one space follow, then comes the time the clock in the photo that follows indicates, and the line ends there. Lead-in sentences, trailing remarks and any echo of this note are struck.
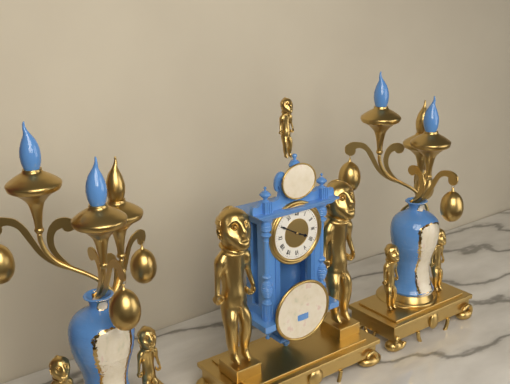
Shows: 3:50
